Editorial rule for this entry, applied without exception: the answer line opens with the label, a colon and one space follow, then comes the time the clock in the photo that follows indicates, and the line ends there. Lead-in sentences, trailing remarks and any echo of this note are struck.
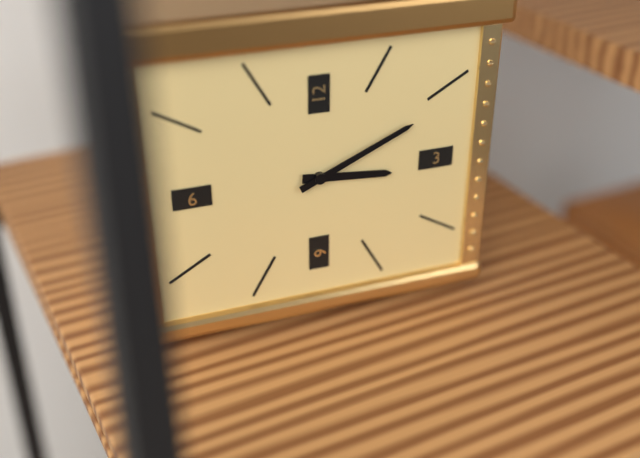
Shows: 3:11
